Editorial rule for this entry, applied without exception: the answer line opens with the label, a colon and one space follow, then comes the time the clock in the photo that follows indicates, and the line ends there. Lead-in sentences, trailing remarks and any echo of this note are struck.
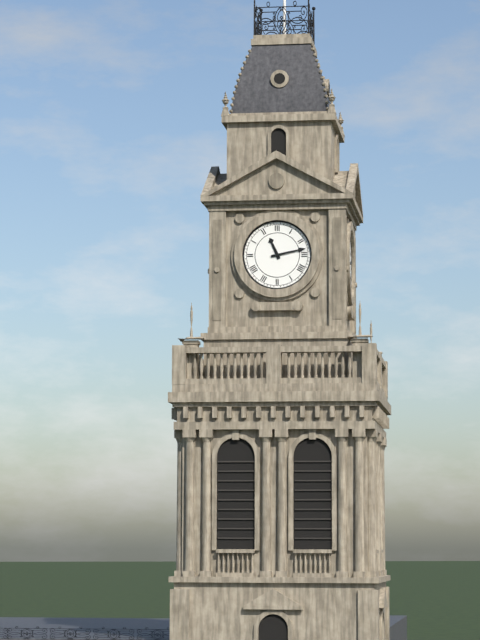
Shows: 11:13
